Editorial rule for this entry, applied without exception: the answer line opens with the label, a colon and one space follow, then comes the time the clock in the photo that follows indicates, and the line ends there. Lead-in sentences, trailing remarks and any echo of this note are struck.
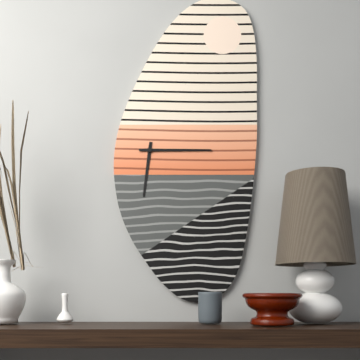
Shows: 6:15
